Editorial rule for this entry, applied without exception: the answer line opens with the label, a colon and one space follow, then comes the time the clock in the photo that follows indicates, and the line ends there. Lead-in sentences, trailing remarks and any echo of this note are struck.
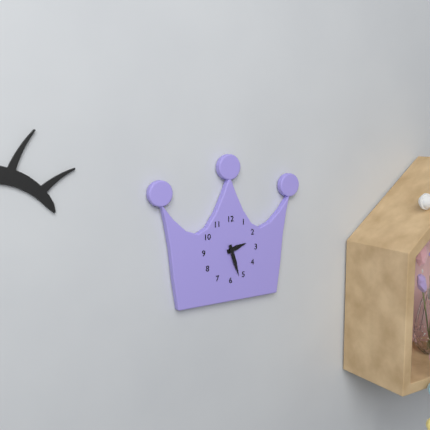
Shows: 2:27
